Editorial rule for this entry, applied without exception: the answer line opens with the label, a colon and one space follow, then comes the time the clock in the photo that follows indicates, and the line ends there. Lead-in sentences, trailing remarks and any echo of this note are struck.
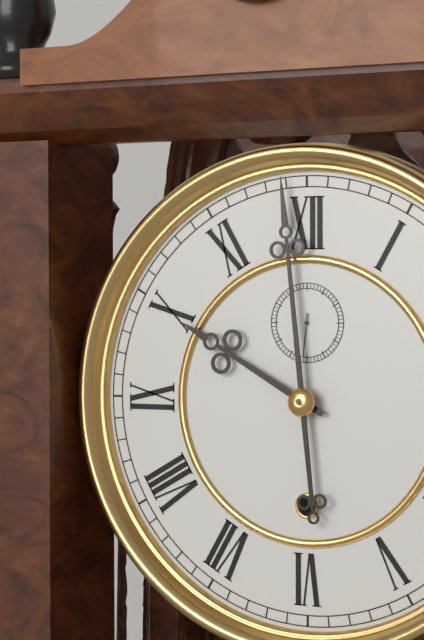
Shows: 9:59
